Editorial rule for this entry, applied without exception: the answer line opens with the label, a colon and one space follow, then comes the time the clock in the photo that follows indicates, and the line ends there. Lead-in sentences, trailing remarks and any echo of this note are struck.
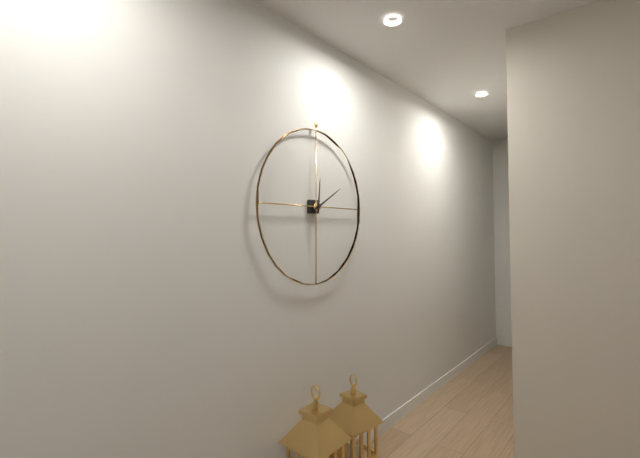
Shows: 12:10
